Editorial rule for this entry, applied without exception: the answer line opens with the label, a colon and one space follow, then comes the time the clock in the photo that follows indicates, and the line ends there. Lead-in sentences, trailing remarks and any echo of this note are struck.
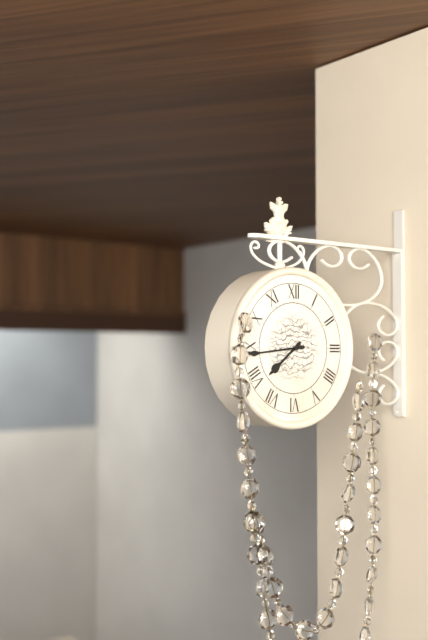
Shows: 7:44
